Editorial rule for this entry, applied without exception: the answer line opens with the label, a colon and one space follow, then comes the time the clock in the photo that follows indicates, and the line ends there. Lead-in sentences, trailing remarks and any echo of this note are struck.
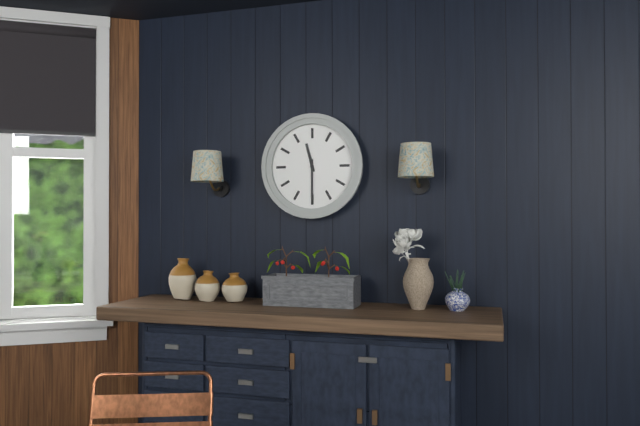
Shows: 11:30
